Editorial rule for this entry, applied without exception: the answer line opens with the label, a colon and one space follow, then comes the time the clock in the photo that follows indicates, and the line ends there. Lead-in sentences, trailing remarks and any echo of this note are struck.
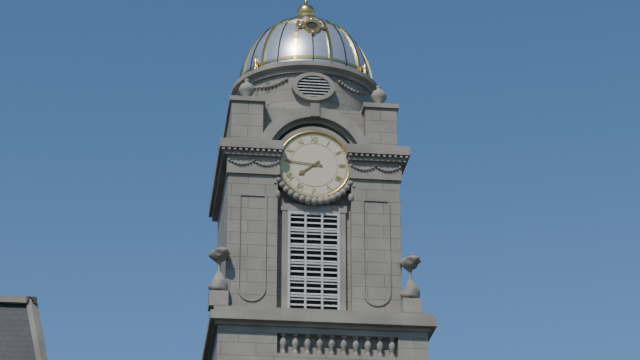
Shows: 7:46
